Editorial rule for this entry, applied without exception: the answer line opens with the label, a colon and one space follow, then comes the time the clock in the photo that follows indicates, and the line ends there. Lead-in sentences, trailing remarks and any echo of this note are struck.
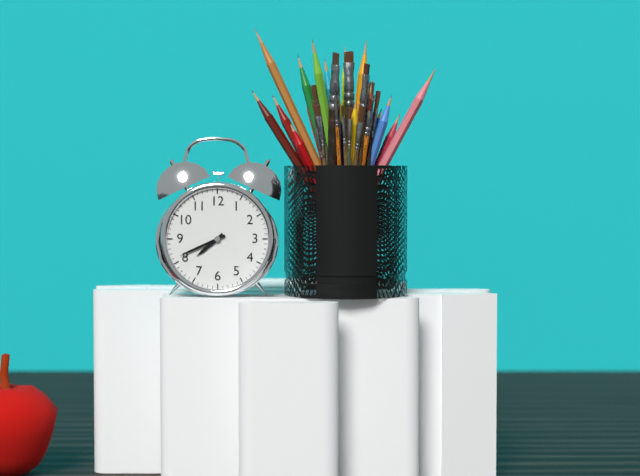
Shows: 7:41
